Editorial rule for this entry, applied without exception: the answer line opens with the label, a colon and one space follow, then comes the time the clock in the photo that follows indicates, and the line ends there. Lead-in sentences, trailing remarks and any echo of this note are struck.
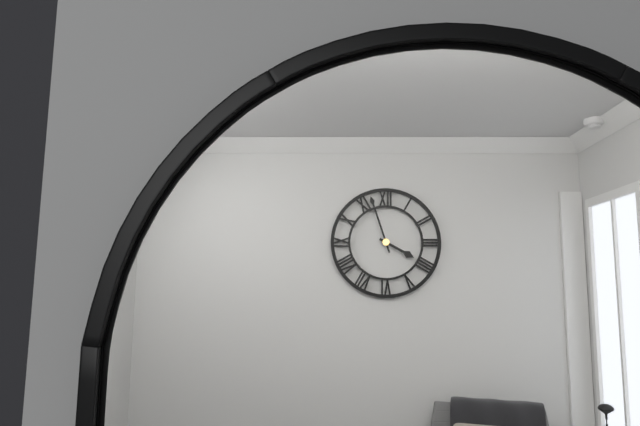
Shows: 3:57
